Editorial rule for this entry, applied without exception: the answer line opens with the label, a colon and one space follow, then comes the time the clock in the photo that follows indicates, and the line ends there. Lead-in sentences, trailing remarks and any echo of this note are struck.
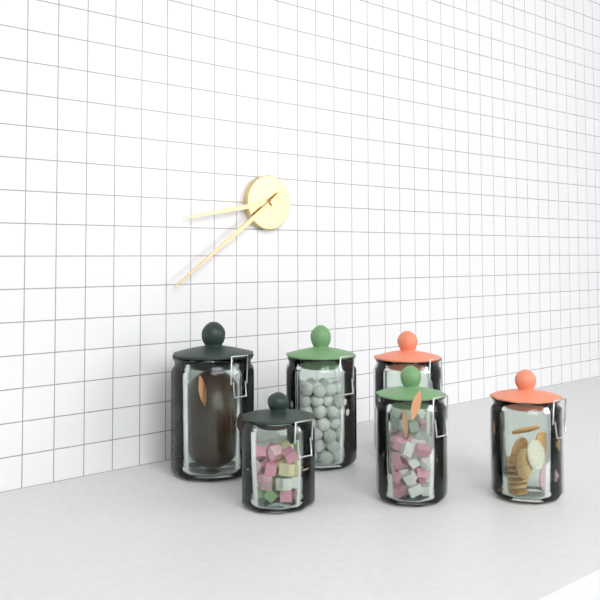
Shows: 8:39
